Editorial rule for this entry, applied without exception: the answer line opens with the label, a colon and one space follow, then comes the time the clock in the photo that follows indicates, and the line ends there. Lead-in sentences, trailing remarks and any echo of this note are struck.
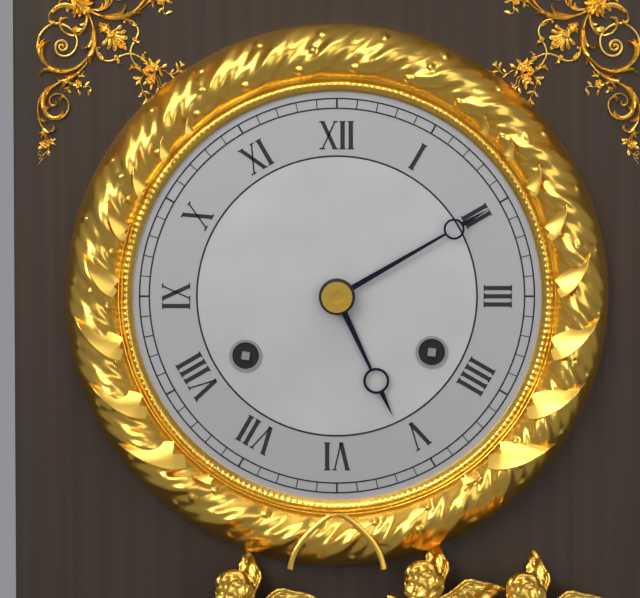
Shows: 5:10
